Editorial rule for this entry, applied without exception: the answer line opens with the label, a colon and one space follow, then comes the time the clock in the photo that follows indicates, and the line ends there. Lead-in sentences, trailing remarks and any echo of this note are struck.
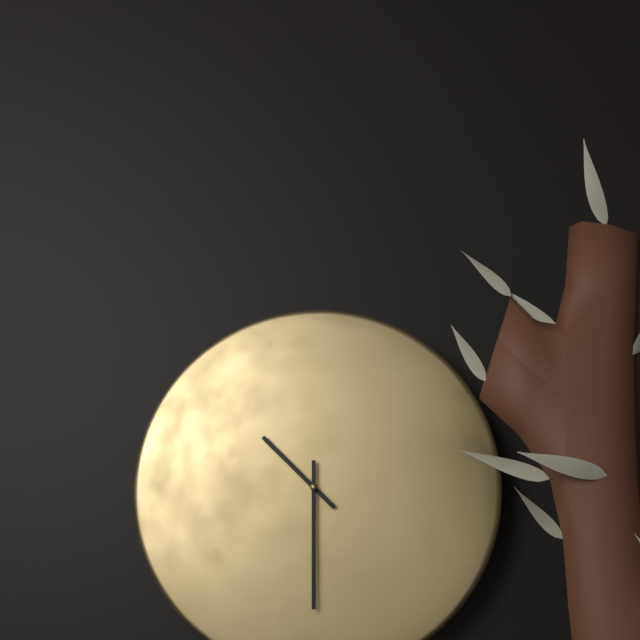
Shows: 10:30
